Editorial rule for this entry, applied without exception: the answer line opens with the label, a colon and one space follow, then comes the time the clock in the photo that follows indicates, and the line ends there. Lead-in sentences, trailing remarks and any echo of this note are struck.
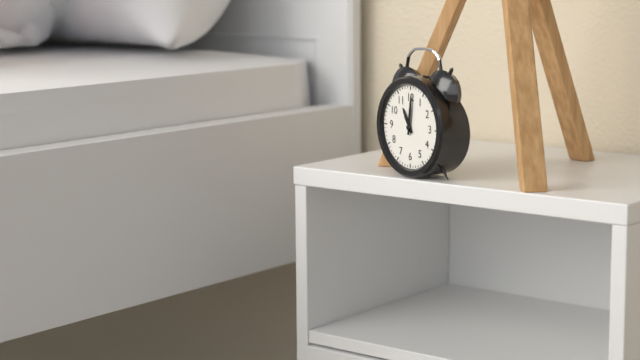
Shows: 11:01
